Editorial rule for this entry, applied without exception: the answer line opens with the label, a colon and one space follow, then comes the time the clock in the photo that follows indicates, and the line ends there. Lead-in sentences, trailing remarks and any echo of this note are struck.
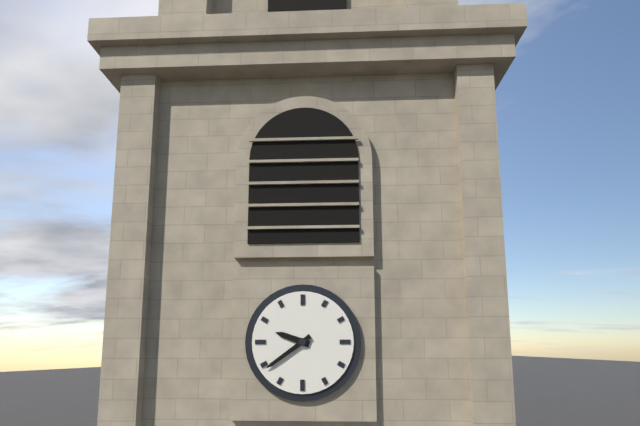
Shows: 9:39
